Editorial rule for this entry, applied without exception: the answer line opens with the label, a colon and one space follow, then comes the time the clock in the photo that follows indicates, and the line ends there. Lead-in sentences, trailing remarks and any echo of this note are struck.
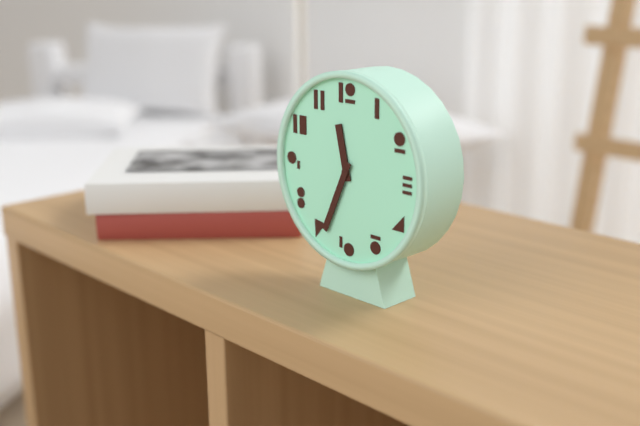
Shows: 11:34
